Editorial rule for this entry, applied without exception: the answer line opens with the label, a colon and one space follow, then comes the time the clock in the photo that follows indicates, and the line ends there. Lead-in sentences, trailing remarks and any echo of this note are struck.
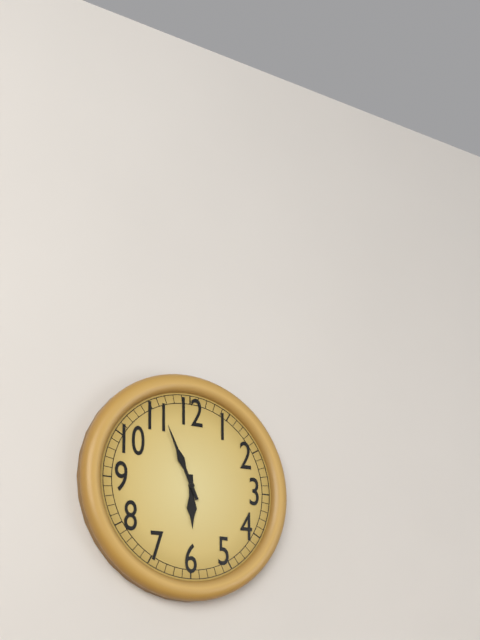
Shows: 5:56
